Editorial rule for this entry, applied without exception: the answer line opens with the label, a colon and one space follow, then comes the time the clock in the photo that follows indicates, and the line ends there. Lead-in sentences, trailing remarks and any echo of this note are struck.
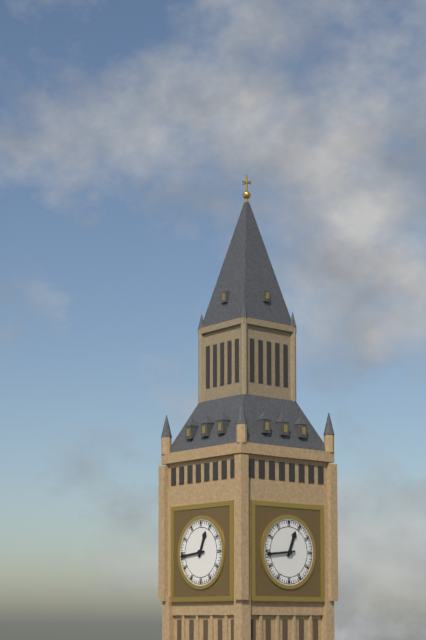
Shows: 12:44
